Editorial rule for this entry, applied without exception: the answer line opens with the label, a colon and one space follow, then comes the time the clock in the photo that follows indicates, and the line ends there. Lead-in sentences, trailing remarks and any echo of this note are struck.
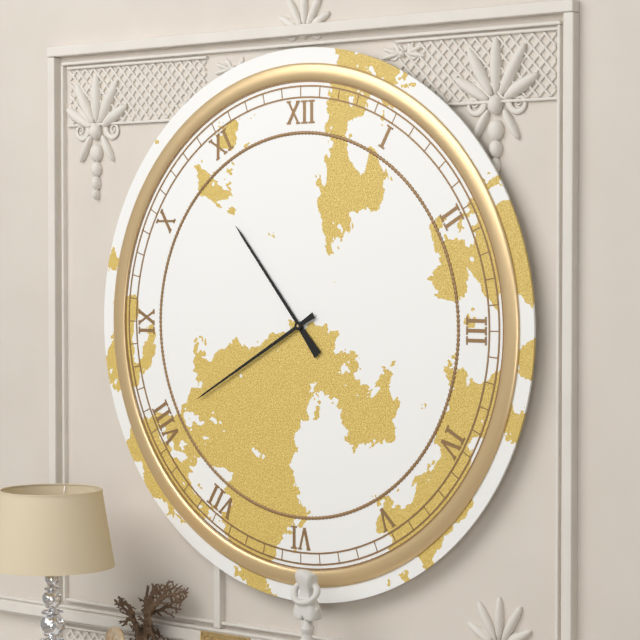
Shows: 10:40
